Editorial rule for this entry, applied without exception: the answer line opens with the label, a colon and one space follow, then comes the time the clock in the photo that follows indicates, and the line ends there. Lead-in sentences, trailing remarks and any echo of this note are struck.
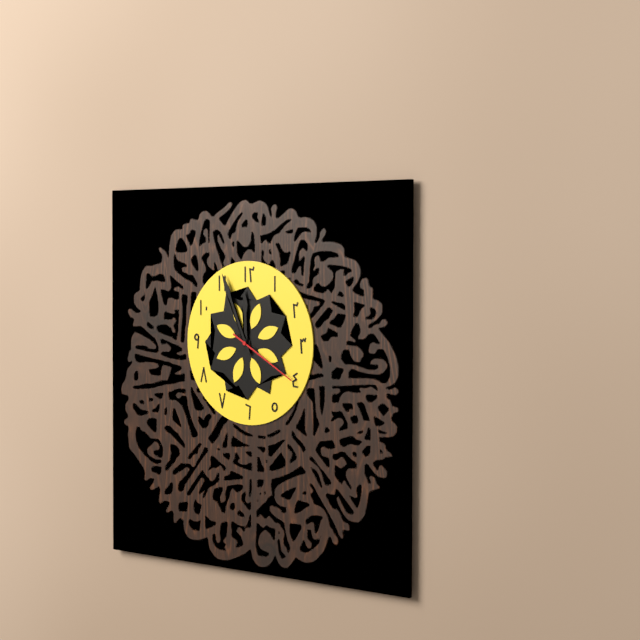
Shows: 11:56:20
